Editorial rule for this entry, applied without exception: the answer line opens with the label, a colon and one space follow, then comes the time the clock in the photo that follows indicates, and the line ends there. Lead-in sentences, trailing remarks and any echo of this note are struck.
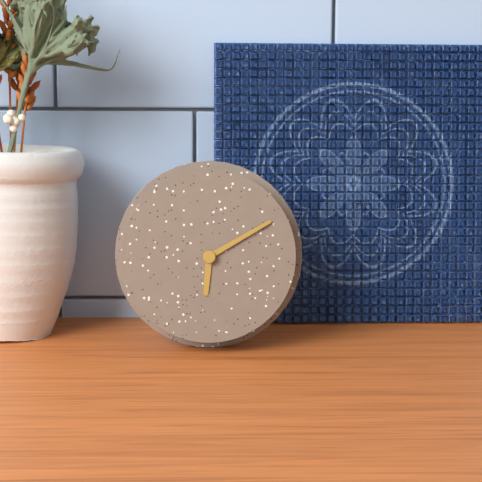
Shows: 6:10
